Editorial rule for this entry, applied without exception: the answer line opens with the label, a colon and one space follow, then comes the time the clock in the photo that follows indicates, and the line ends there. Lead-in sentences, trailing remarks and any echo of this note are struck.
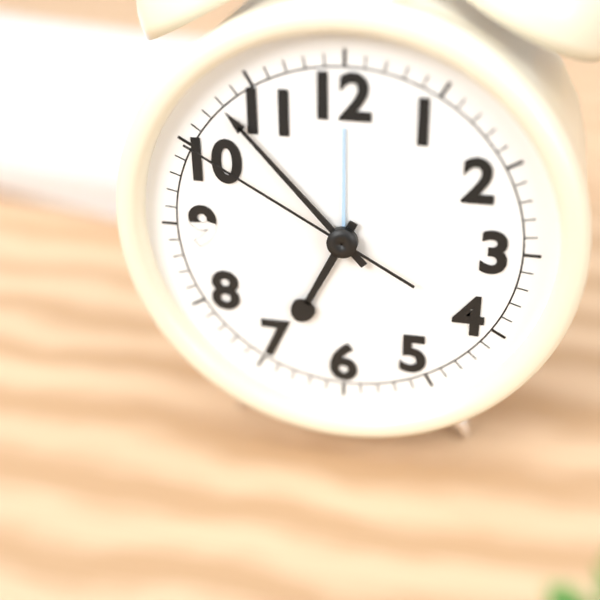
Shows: 6:53:50
